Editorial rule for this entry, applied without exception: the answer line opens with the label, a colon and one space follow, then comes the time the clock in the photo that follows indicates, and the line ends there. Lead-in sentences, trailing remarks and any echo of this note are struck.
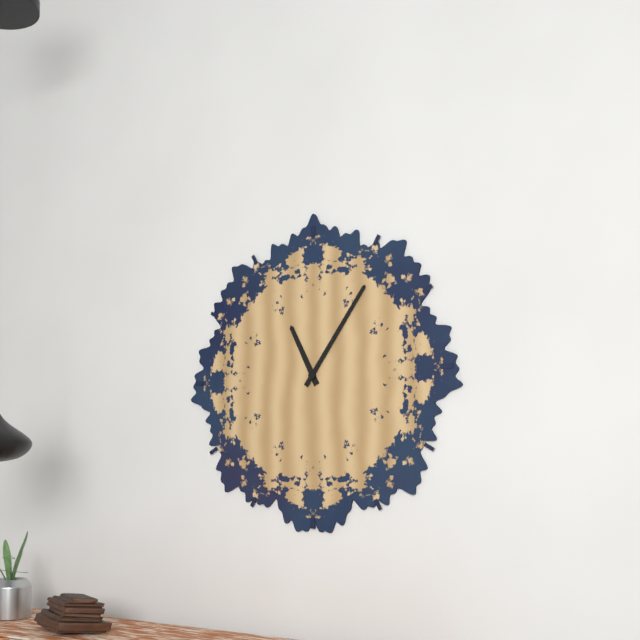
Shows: 11:06
